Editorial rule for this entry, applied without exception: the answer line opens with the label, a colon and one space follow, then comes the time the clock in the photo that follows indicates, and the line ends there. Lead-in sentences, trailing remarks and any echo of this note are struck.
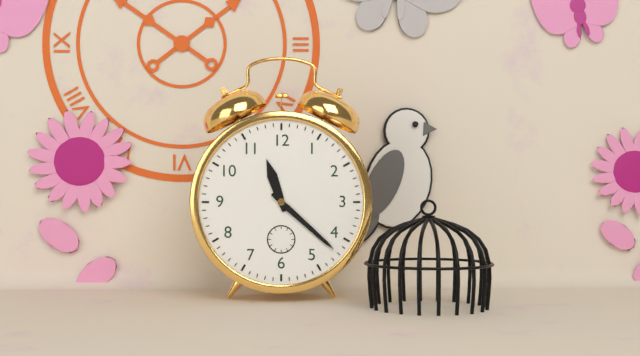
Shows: 11:22
